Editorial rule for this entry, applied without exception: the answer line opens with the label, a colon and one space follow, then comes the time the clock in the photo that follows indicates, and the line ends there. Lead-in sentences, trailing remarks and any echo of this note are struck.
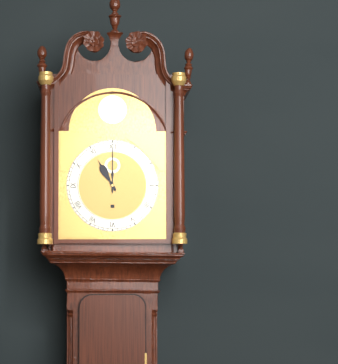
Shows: 11:00
